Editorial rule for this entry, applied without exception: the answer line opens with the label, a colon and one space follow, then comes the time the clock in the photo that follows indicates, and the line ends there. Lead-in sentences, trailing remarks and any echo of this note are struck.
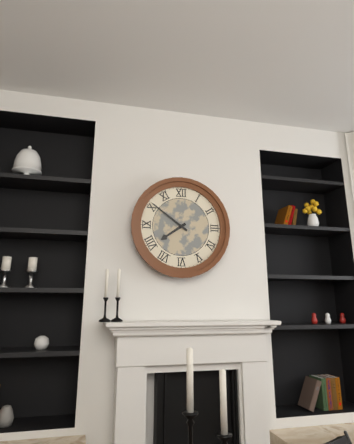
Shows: 7:51
